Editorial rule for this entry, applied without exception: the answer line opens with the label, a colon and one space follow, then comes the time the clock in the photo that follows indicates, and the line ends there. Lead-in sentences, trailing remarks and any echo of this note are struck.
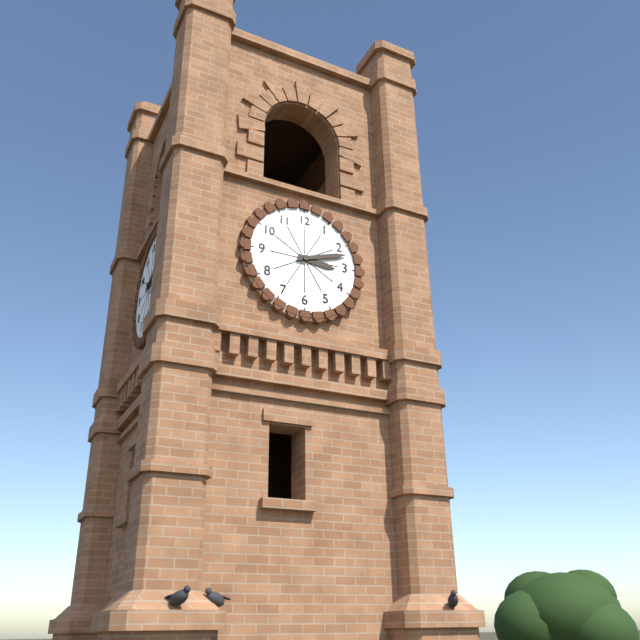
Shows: 3:12
